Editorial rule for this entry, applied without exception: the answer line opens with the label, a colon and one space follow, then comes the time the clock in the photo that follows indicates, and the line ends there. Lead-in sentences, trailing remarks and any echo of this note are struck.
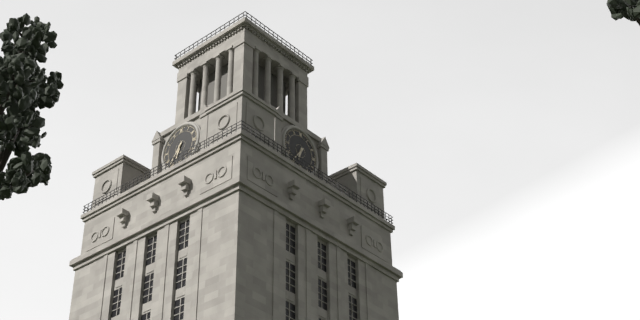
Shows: 6:36
